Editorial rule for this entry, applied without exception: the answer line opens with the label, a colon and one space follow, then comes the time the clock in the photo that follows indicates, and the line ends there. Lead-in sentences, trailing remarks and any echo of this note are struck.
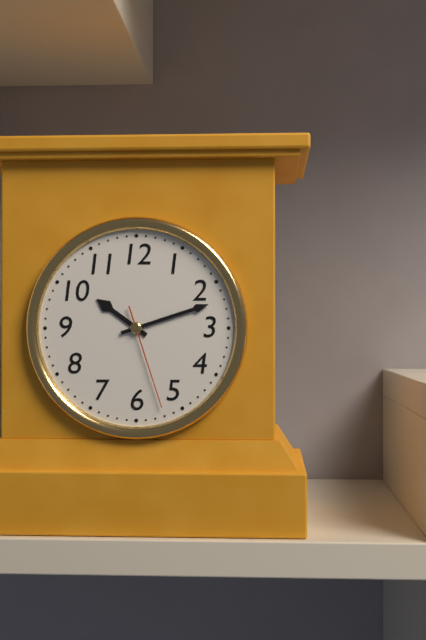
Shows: 10:12:27
